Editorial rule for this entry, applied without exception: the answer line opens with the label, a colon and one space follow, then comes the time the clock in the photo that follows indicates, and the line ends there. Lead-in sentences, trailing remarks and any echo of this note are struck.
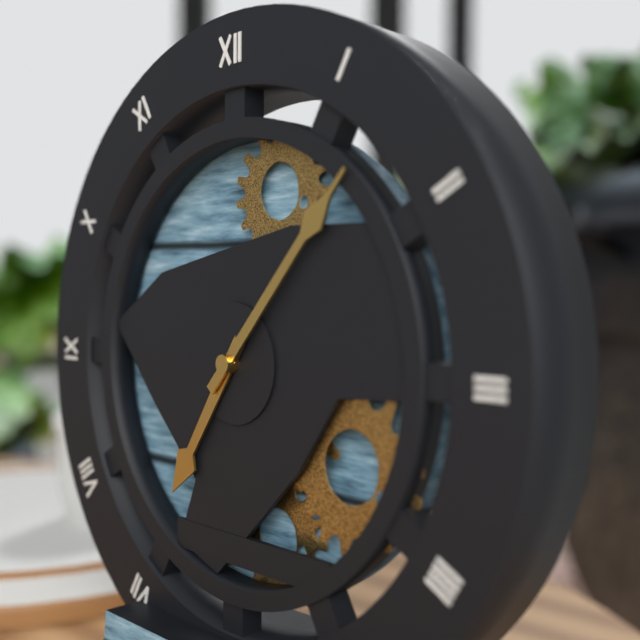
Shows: 7:07
